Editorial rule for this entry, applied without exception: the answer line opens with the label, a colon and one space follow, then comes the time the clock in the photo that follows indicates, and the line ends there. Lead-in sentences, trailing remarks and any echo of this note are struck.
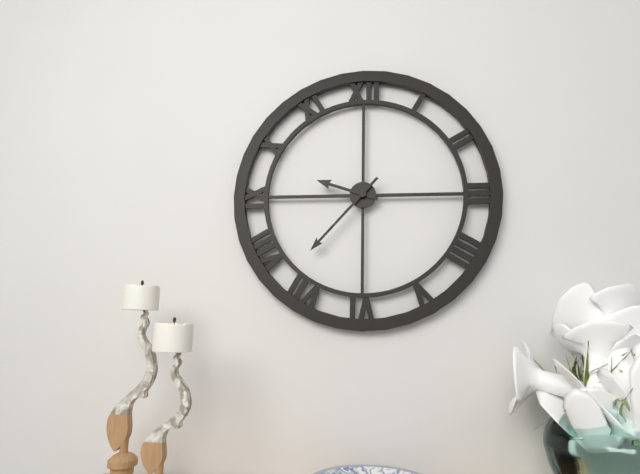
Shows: 9:37
